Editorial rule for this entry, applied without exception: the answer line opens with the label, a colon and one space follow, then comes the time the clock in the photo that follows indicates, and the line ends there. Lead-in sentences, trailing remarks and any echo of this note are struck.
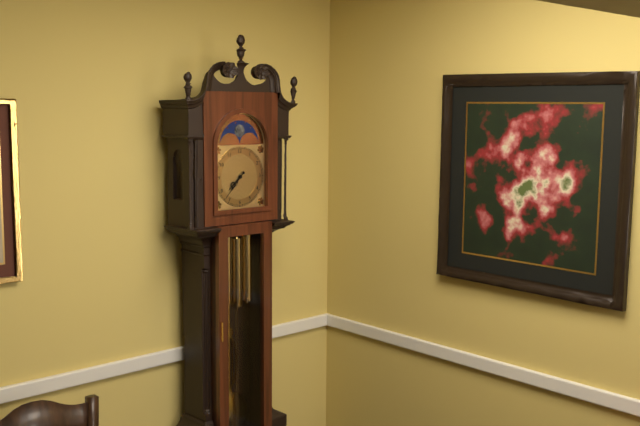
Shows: 7:37
